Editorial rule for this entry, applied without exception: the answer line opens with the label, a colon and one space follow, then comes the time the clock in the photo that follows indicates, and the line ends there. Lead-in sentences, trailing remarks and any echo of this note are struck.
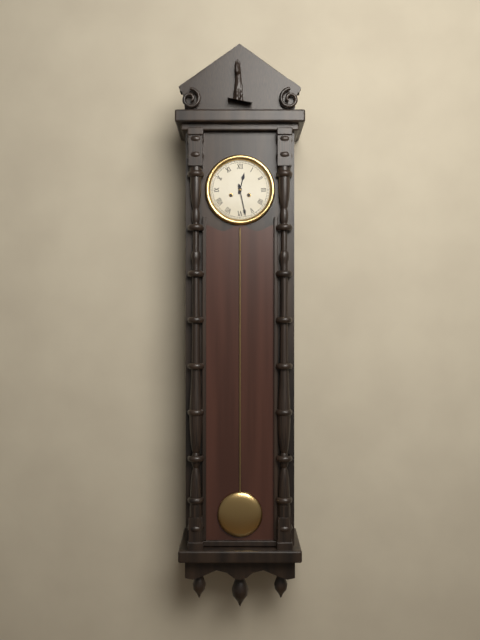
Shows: 12:28
